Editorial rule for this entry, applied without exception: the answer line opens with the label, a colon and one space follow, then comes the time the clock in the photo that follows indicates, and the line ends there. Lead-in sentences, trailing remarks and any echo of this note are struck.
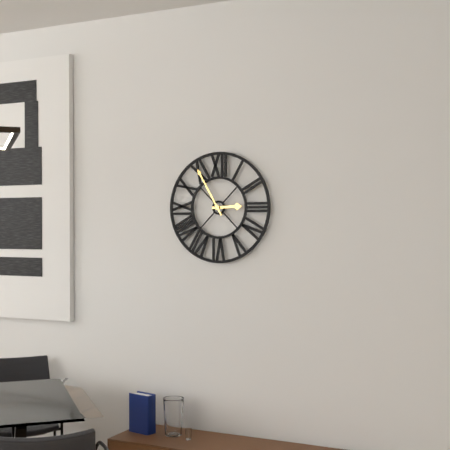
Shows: 2:55
